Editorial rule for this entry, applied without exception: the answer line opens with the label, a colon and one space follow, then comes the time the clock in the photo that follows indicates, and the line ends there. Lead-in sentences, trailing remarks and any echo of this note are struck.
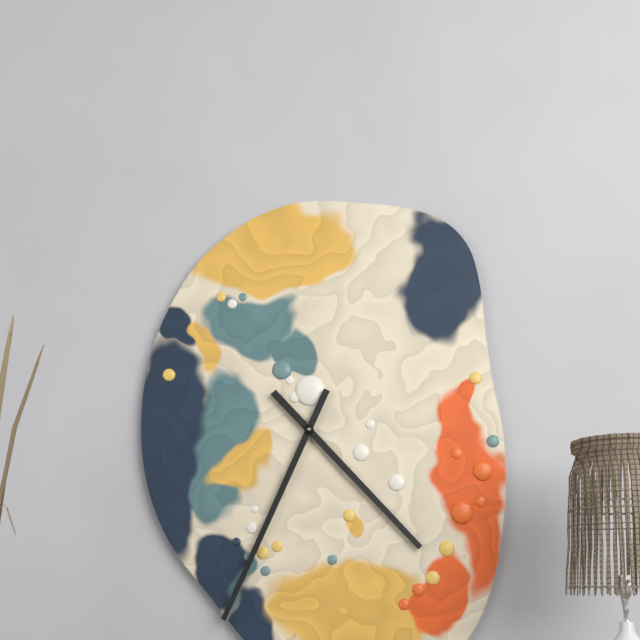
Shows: 4:34
